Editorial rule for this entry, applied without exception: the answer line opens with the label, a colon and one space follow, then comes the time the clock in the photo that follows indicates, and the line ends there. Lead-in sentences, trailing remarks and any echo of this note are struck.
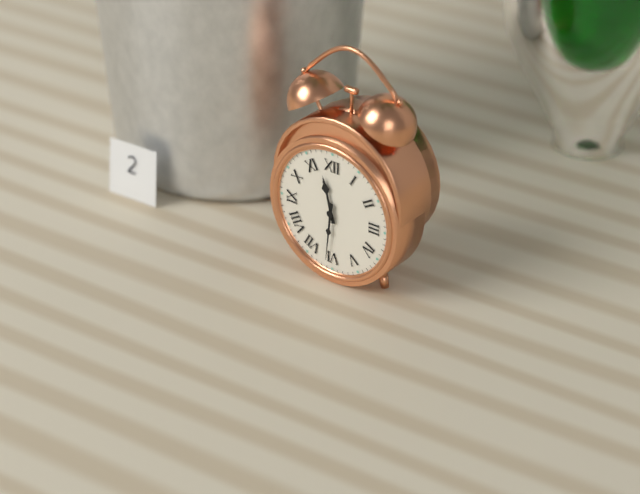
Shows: 11:31
